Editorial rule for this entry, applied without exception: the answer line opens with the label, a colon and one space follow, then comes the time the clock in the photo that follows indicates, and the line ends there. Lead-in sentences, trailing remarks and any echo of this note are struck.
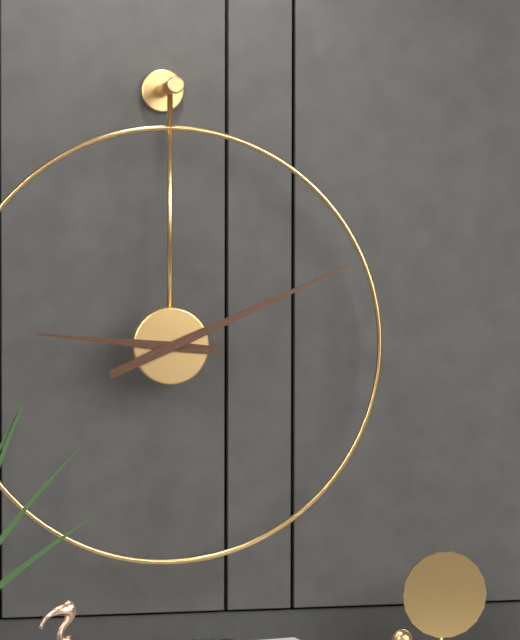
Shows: 9:11
